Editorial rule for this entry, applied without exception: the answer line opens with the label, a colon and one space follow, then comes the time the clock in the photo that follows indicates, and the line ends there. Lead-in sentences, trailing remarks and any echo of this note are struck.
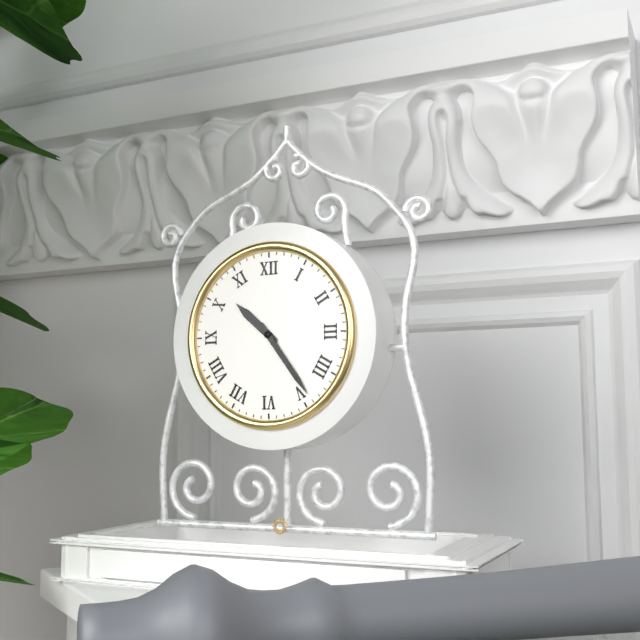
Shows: 10:24
